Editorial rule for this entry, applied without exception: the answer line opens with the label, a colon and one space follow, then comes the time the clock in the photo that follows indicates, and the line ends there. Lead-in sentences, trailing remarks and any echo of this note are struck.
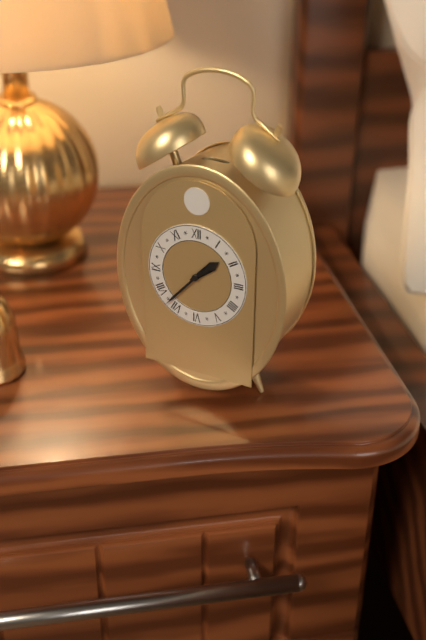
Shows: 1:37
